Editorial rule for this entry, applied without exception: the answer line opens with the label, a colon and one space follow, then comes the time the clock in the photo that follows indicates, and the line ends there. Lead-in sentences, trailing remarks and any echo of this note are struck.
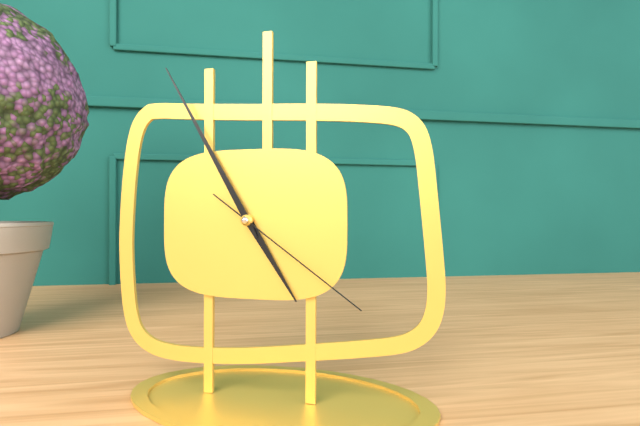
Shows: 4:55:21
